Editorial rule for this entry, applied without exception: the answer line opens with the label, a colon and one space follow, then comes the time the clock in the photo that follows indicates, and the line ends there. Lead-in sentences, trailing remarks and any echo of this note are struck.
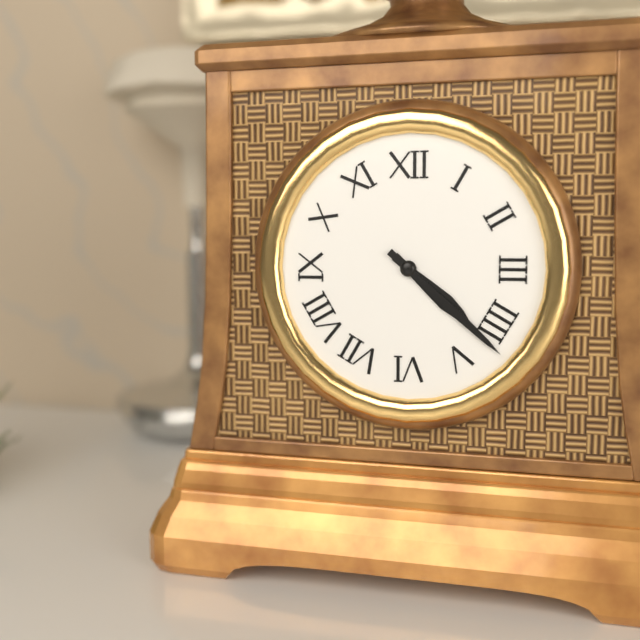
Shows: 4:22
